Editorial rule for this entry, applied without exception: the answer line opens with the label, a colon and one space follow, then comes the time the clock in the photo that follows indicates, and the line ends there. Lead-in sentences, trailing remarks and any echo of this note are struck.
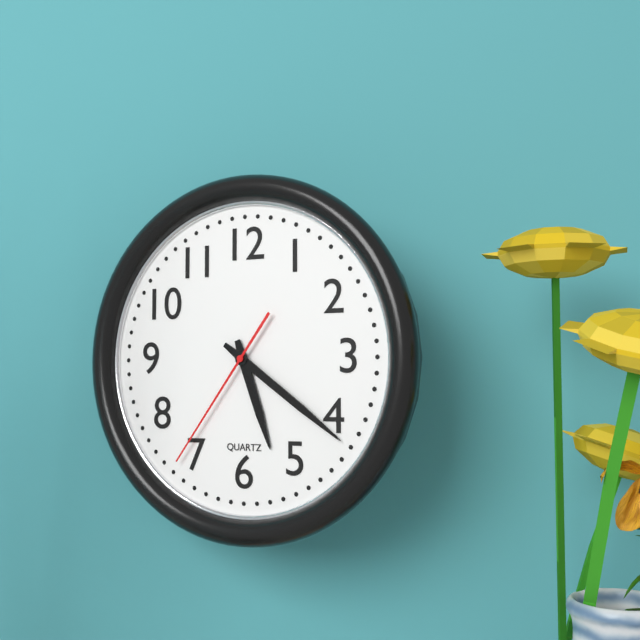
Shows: 5:21:36
